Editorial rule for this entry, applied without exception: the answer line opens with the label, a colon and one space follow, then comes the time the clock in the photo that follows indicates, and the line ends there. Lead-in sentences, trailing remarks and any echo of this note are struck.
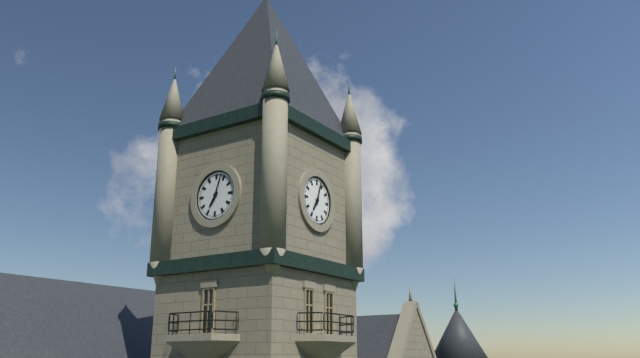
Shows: 7:03
